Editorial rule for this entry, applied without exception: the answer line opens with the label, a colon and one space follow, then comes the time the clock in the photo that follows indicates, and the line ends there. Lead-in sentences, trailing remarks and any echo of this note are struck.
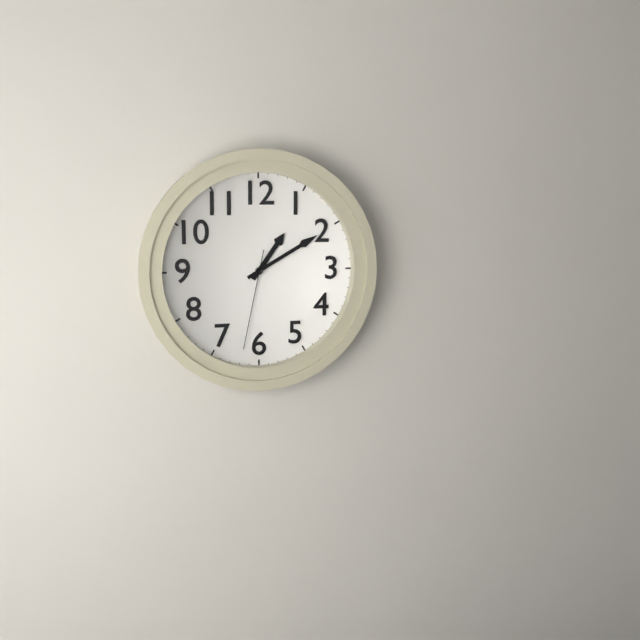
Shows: 1:10:32
